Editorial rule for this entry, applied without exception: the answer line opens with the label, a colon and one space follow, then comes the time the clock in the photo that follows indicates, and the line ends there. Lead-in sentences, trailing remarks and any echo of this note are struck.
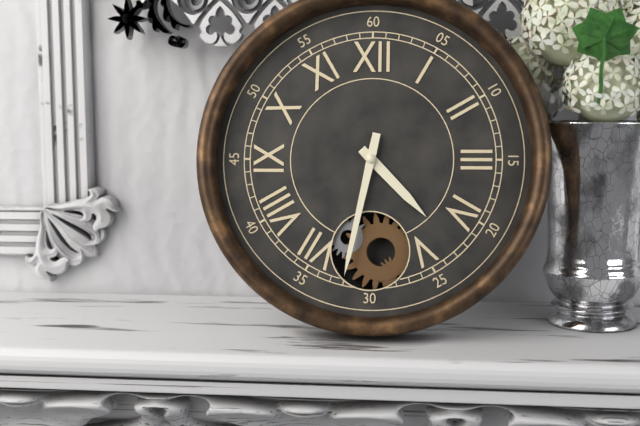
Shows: 4:32
